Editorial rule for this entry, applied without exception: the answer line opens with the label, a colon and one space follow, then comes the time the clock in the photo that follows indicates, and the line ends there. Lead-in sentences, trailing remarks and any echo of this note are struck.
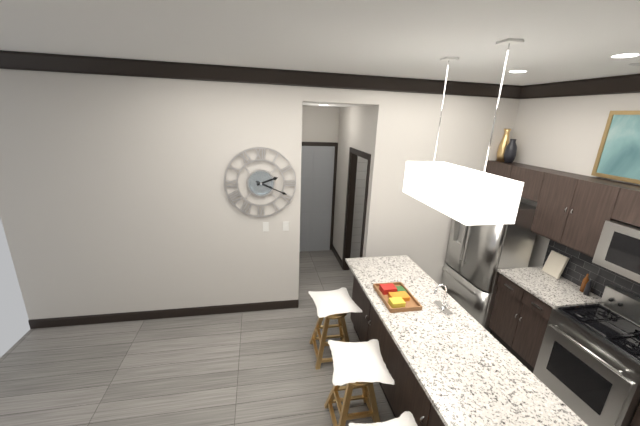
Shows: 2:19
